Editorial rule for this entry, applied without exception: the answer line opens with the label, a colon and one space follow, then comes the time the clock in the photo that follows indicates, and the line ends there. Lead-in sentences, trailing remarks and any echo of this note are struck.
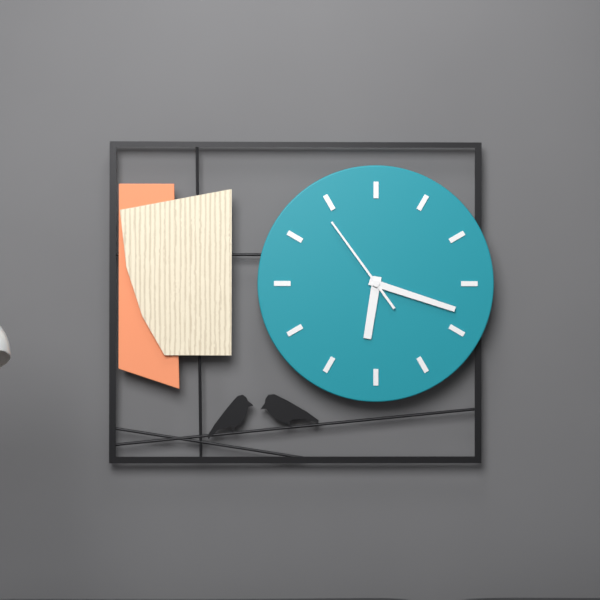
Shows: 6:18:54
